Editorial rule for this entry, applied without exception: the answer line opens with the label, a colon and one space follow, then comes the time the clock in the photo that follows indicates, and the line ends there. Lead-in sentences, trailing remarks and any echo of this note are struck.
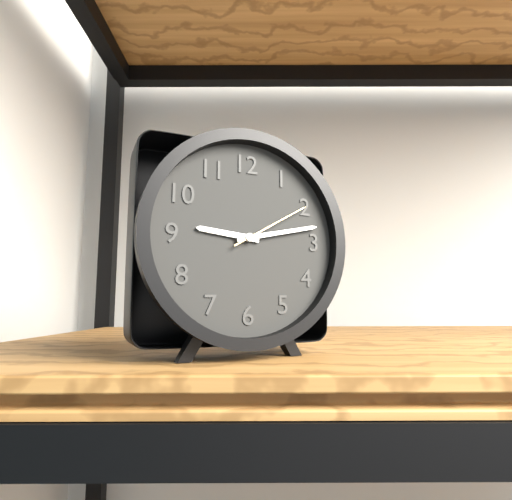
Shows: 9:13:10
